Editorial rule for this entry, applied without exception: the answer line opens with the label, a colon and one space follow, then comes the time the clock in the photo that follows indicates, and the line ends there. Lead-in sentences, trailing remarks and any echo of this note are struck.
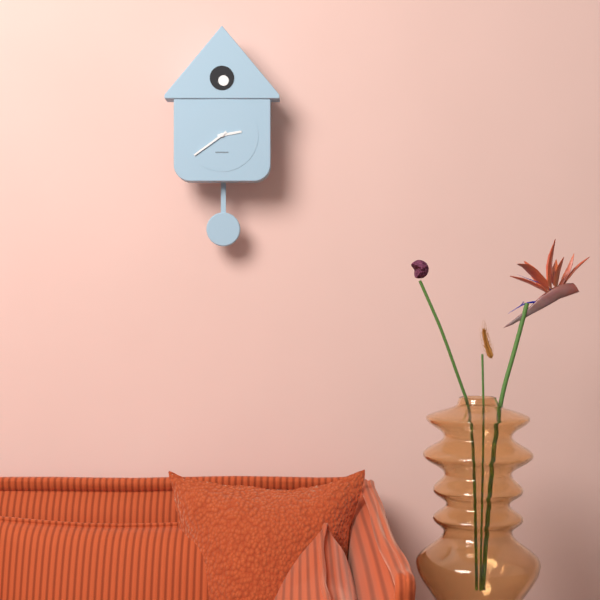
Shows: 2:39
